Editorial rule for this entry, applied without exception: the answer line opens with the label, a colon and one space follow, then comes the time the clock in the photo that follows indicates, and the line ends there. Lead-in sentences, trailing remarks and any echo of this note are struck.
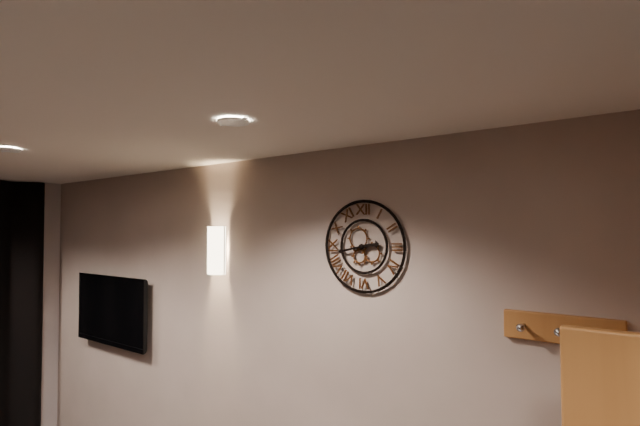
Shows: 2:43
